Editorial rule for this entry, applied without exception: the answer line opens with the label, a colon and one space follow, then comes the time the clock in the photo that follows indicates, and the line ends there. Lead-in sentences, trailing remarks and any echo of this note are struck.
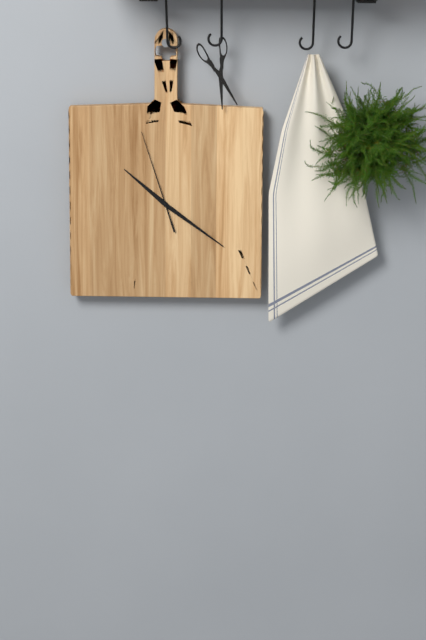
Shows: 10:21:57
